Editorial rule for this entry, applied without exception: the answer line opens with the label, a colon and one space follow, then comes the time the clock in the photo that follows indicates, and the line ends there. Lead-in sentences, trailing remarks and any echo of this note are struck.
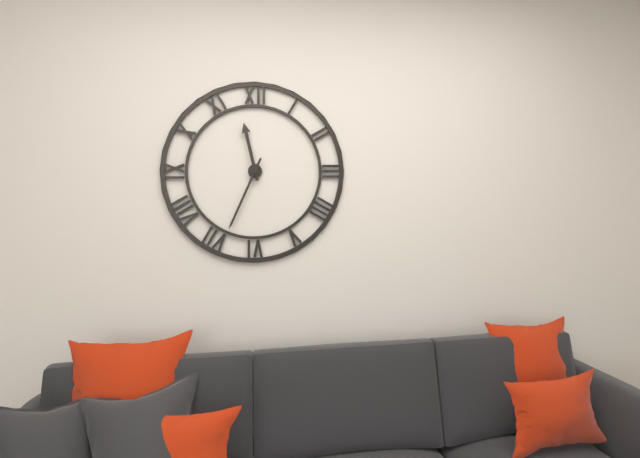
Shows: 11:34
